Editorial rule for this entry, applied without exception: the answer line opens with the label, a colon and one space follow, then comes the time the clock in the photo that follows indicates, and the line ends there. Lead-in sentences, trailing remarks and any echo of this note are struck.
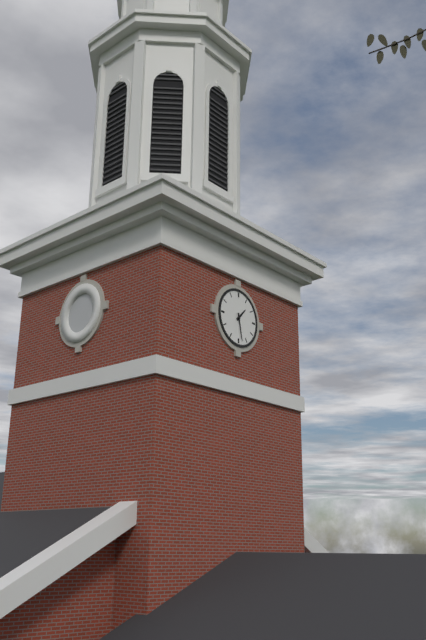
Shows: 1:28
